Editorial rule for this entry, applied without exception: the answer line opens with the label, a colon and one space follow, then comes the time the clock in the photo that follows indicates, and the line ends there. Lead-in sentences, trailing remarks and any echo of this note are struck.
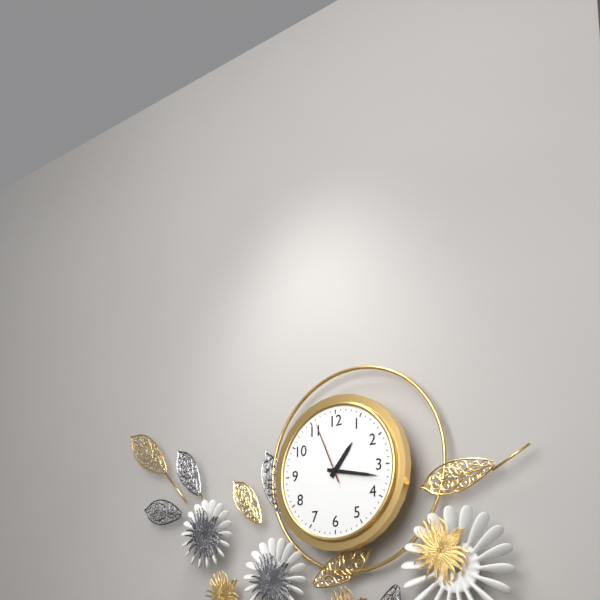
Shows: 1:17:56
